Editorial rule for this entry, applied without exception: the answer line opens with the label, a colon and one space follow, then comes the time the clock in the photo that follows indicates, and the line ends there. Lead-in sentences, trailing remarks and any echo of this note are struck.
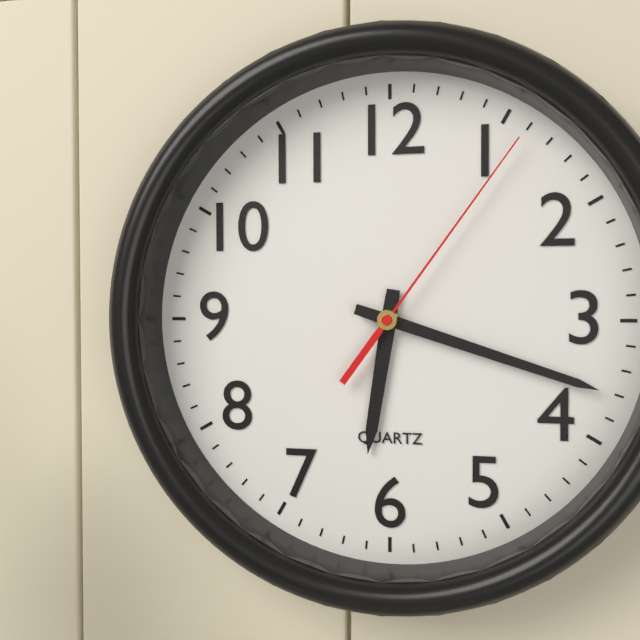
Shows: 6:18:06
